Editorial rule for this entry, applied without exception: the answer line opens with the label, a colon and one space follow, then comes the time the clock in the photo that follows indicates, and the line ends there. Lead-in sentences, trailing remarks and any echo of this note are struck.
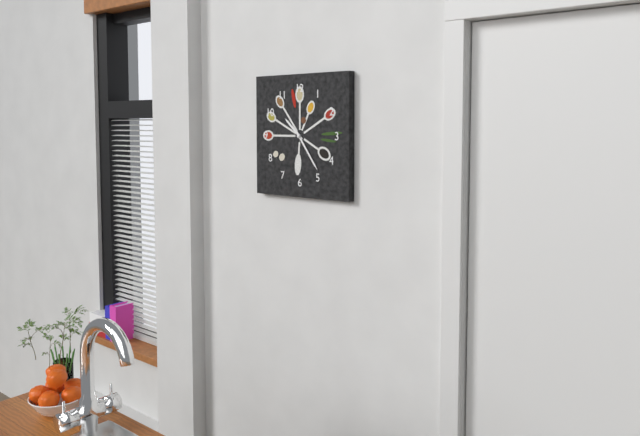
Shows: 10:24
